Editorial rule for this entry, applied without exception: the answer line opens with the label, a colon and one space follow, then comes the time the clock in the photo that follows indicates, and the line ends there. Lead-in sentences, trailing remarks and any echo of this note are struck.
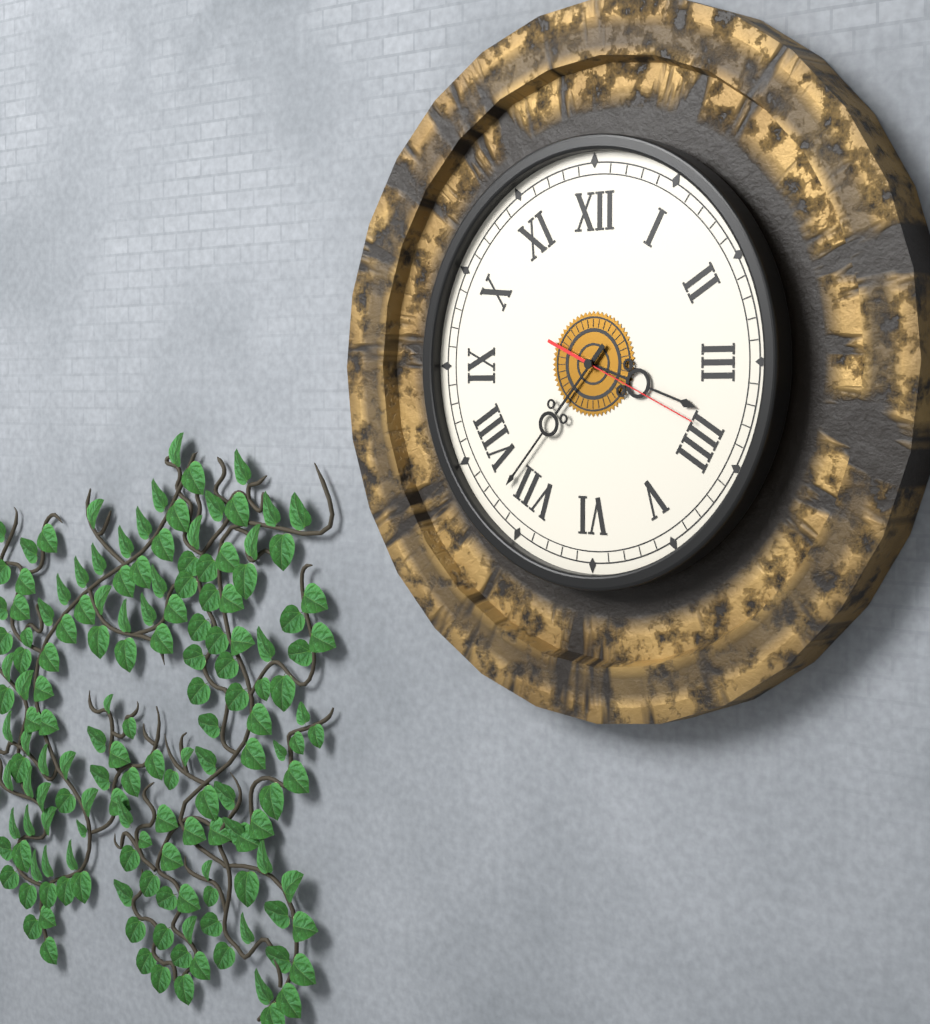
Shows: 3:37:19
